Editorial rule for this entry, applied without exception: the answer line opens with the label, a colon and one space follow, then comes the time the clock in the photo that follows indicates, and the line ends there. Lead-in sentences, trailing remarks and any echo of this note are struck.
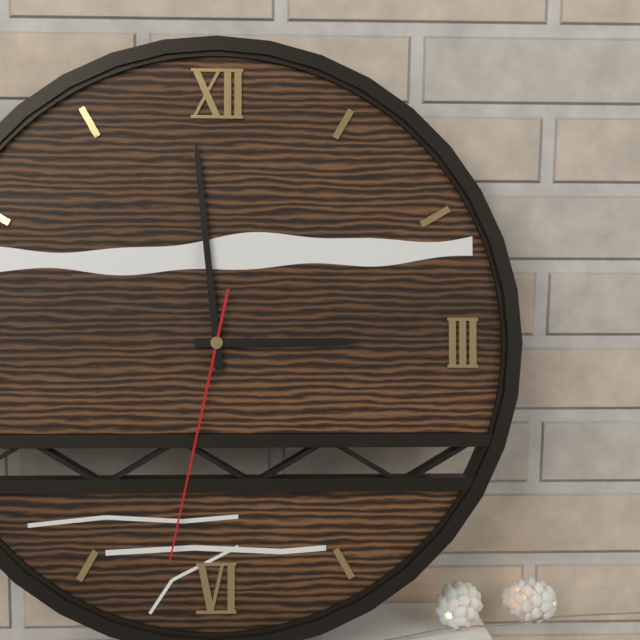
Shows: 2:59:32
